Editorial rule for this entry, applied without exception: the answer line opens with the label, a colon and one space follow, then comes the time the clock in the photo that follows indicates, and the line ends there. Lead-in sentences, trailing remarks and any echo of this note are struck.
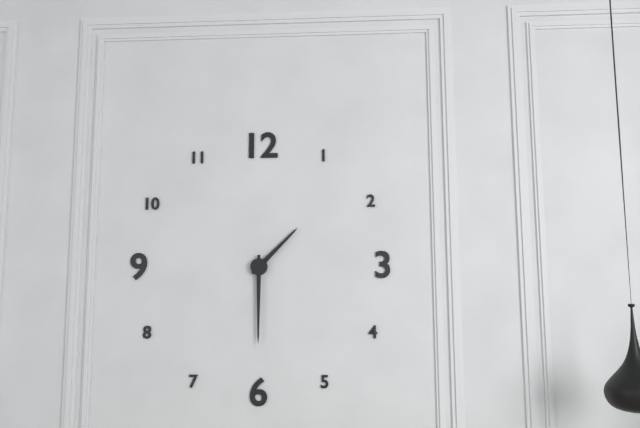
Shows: 1:30
